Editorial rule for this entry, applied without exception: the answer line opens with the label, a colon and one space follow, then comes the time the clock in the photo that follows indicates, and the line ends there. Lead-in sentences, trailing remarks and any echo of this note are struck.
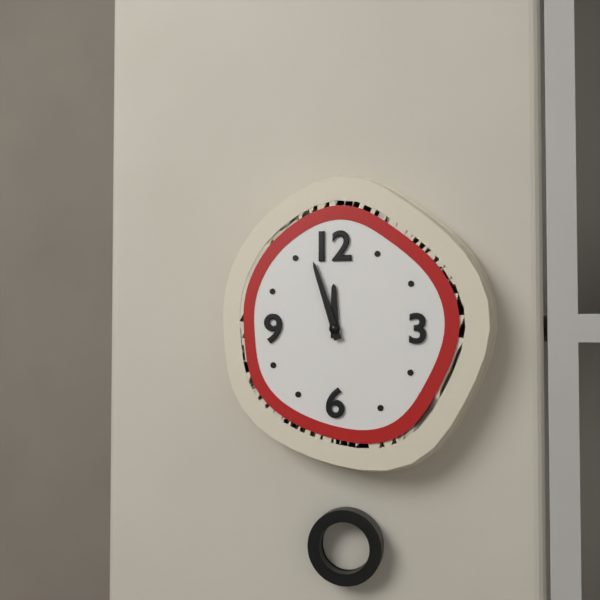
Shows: 11:57
